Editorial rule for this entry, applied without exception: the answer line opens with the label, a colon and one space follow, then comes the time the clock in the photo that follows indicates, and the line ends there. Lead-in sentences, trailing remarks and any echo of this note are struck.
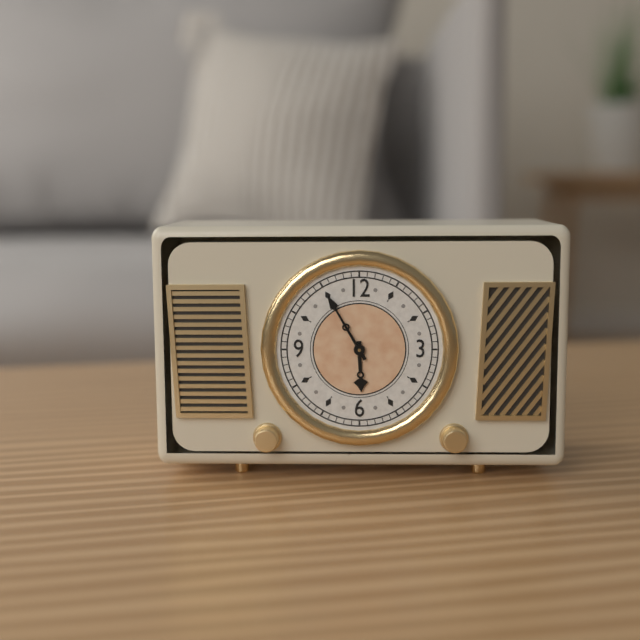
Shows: 5:55
